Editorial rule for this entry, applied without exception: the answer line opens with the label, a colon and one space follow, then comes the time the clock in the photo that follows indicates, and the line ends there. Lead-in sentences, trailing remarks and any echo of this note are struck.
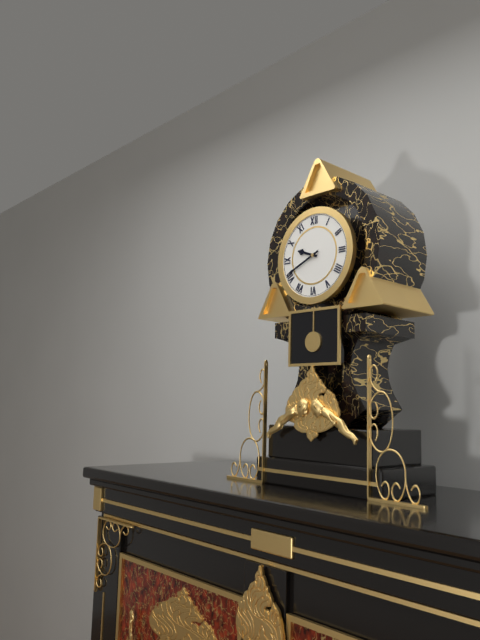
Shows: 9:41
